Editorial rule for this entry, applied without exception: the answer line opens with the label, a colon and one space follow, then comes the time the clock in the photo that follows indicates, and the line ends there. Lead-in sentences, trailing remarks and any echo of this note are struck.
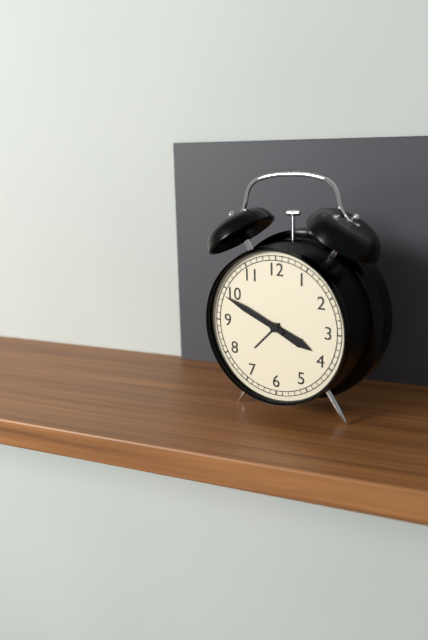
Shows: 3:49
